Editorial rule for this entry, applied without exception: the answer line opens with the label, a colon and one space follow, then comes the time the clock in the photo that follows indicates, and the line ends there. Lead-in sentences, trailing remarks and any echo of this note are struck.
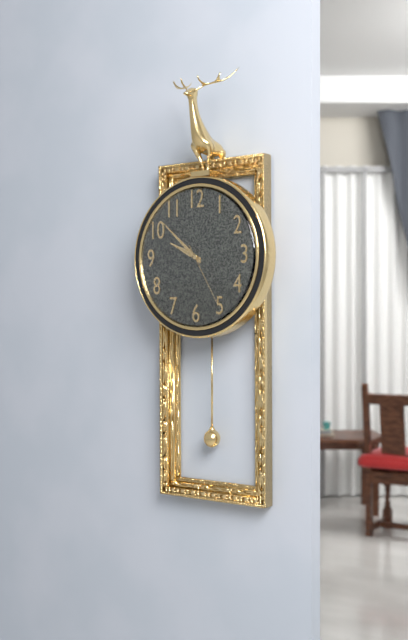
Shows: 9:52:25
